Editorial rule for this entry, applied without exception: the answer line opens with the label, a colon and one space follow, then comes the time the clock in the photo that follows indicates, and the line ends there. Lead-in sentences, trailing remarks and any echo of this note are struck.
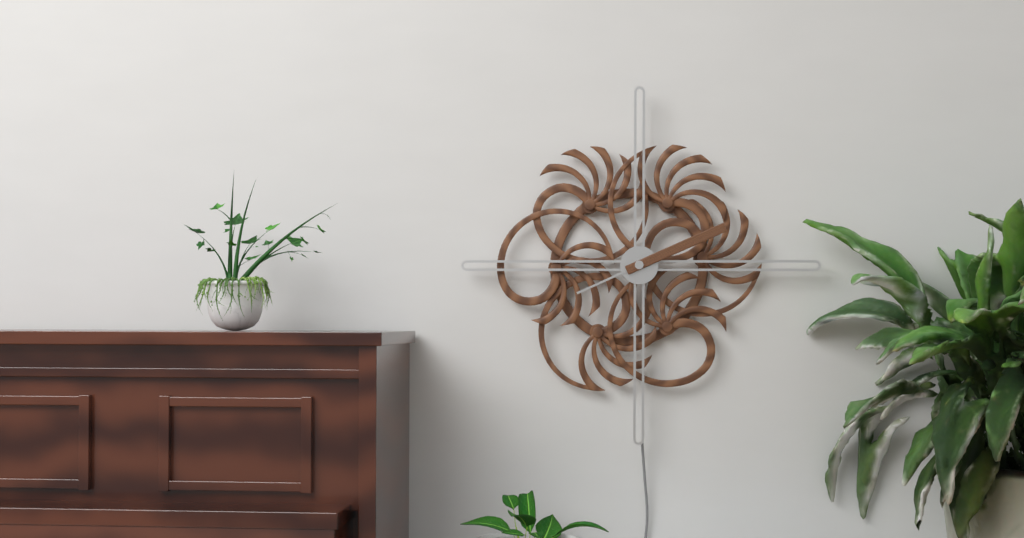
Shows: 8:11
